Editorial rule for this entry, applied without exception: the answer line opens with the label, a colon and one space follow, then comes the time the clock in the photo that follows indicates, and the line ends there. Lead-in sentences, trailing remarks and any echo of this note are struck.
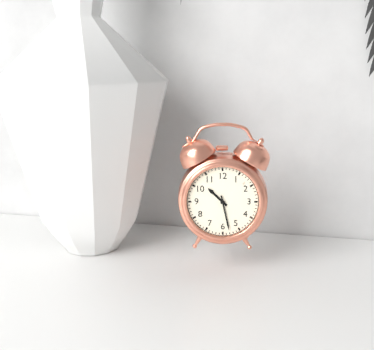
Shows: 10:28
